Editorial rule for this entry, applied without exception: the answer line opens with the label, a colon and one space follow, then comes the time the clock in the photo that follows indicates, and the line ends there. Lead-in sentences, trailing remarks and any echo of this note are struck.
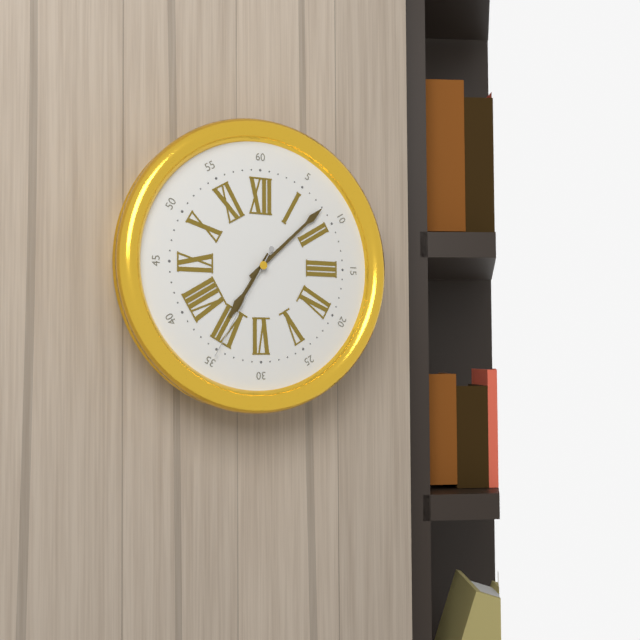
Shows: 7:08:35
